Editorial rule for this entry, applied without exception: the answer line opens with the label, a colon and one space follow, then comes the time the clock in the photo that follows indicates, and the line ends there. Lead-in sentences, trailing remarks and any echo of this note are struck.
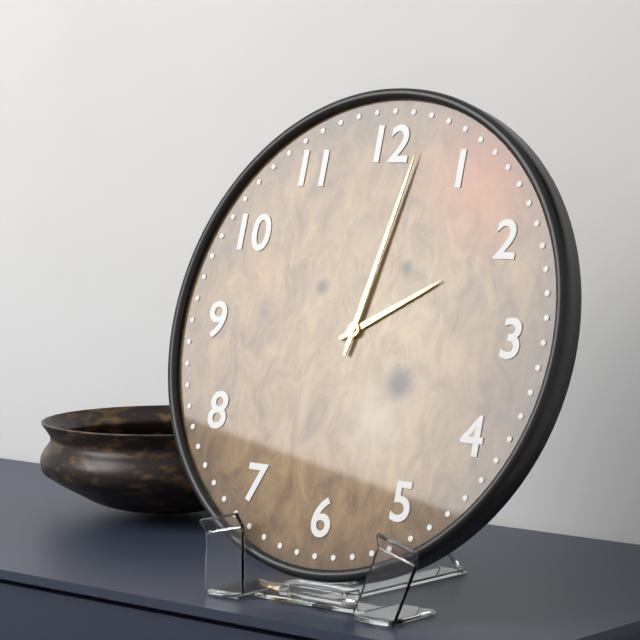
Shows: 2:02
